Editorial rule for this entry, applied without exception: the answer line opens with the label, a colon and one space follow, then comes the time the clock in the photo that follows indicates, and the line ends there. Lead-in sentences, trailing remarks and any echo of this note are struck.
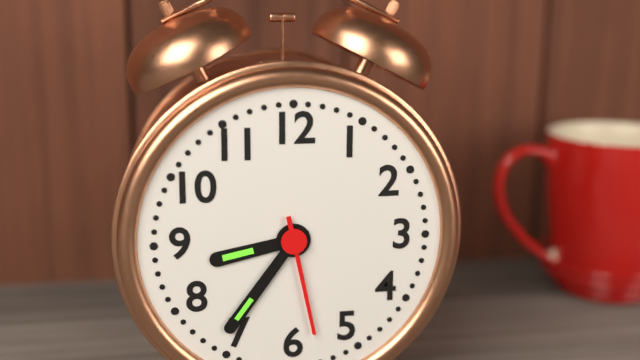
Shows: 8:36:28
